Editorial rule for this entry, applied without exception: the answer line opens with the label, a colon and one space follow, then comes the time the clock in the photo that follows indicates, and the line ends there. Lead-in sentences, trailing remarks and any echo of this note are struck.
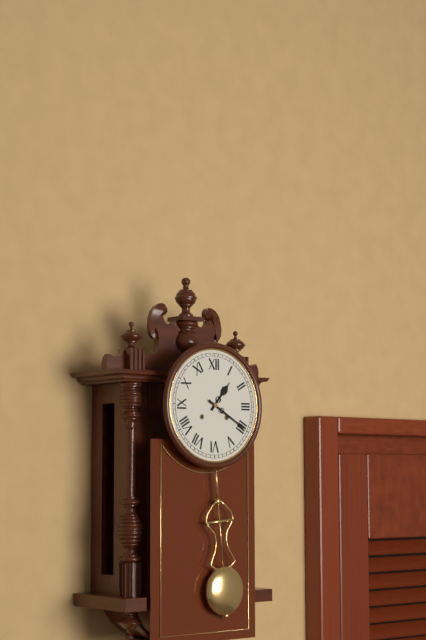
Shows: 1:20
